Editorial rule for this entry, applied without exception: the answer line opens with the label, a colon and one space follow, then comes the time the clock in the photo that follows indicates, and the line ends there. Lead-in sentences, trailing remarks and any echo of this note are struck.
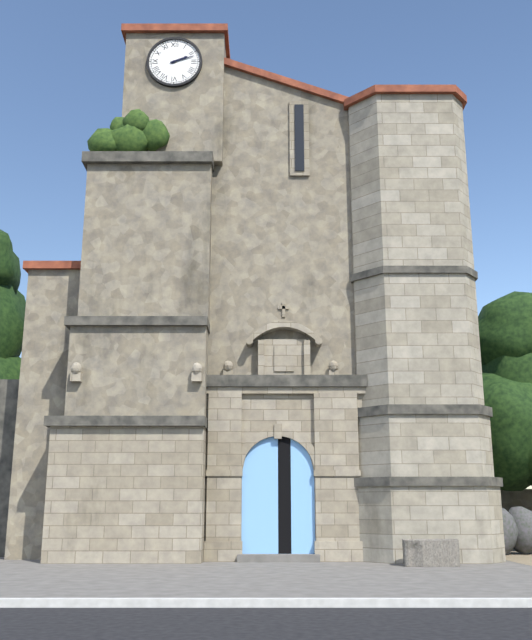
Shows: 2:12
